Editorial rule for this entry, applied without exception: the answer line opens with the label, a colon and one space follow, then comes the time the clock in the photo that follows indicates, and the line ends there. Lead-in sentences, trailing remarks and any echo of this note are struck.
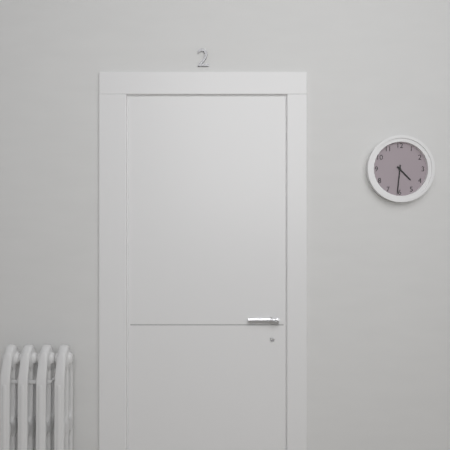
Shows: 4:31
